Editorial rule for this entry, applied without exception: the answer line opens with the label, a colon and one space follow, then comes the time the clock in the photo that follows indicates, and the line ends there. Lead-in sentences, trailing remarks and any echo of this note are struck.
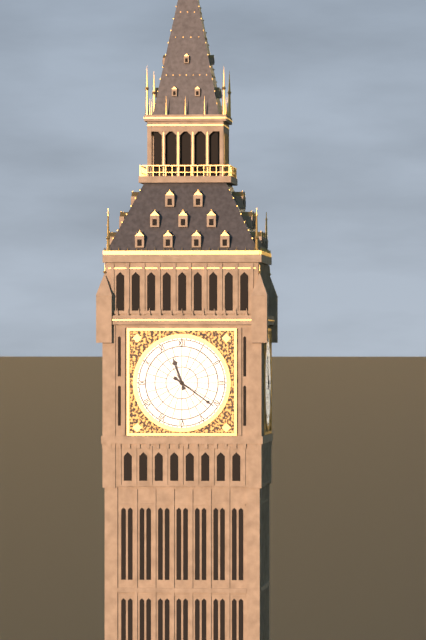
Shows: 11:21
